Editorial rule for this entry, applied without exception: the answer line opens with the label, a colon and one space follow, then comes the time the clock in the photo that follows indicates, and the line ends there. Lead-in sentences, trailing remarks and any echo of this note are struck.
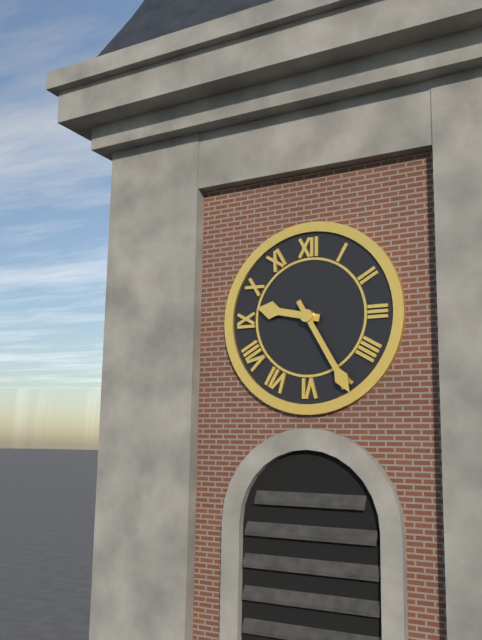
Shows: 9:25
